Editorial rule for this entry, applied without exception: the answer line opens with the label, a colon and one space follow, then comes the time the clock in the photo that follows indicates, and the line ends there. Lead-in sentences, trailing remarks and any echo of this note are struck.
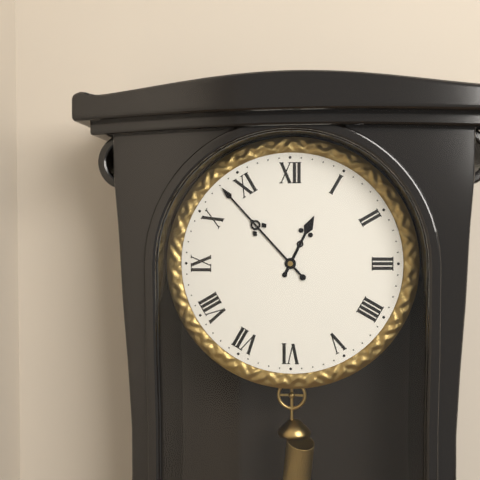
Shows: 12:53
